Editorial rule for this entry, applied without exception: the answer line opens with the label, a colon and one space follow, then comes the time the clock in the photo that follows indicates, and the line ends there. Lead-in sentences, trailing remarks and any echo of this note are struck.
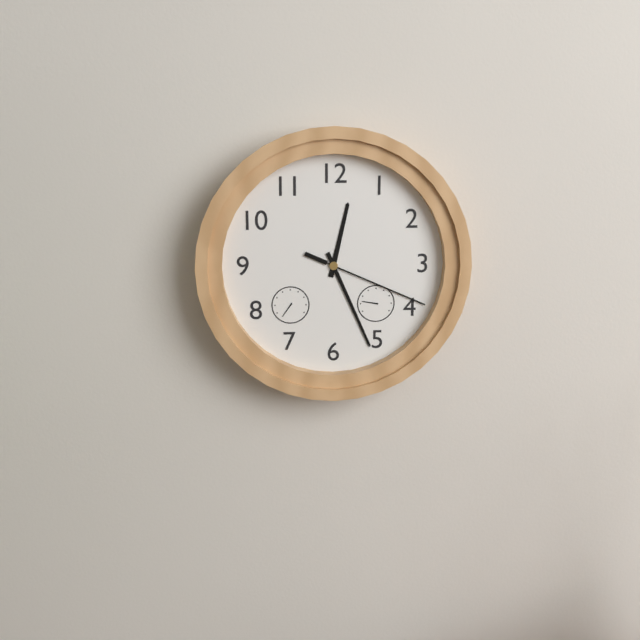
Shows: 12:26:19
